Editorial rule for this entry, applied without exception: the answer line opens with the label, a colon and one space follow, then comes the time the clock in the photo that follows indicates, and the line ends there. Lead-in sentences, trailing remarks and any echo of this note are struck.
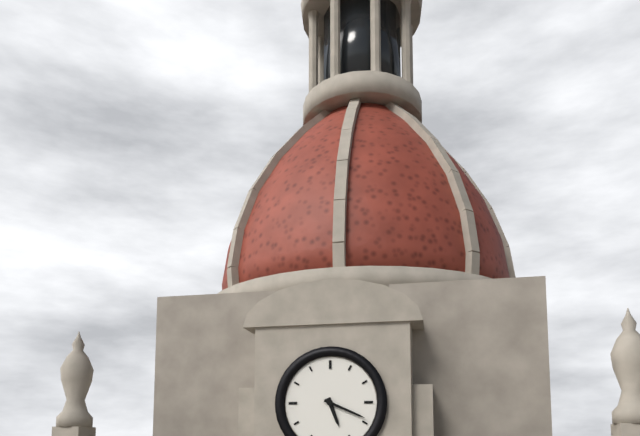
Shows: 5:19
